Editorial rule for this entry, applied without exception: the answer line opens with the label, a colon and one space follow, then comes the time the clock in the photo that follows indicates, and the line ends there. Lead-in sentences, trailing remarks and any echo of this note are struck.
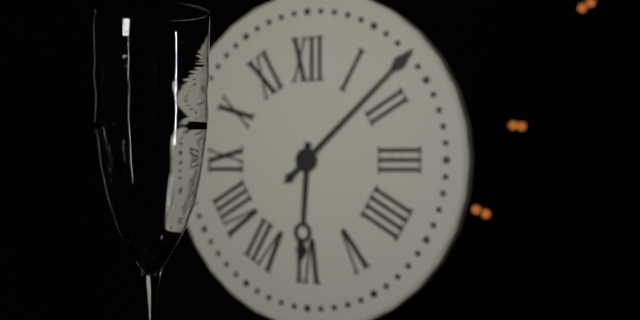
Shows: 6:08
